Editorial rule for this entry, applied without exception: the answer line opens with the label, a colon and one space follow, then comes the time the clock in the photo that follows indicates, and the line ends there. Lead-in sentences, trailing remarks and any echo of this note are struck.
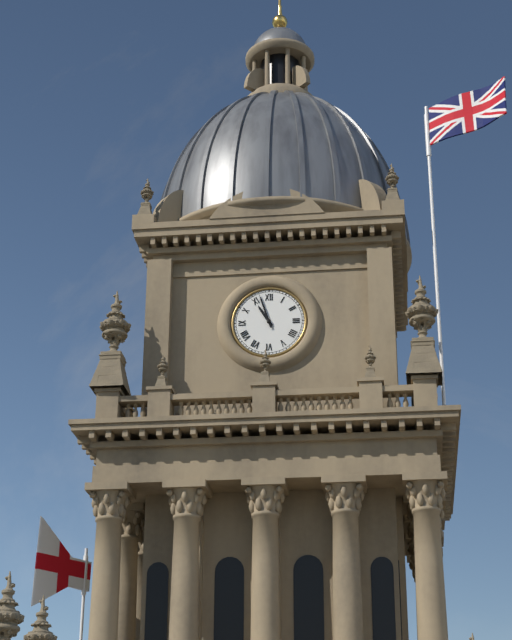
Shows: 10:57
